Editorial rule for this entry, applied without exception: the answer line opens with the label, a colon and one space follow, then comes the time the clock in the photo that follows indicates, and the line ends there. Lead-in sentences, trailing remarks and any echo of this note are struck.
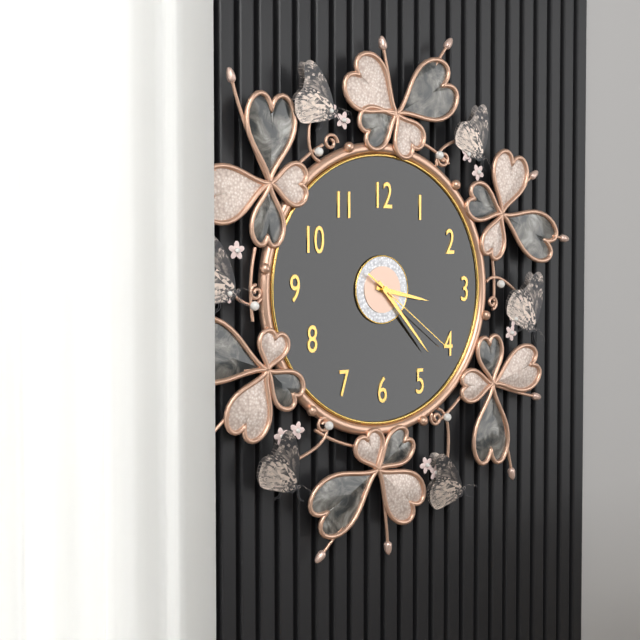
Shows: 3:23:21
